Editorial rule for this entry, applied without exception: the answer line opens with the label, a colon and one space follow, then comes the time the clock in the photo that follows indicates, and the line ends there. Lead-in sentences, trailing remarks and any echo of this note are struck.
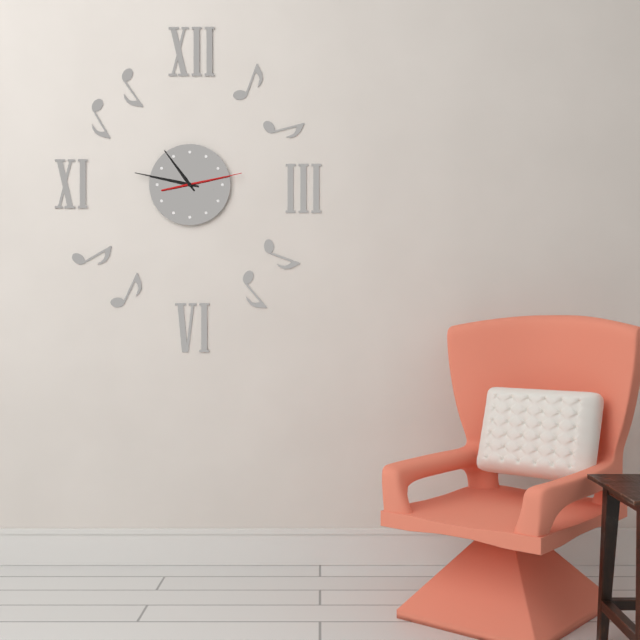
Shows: 10:47:13
